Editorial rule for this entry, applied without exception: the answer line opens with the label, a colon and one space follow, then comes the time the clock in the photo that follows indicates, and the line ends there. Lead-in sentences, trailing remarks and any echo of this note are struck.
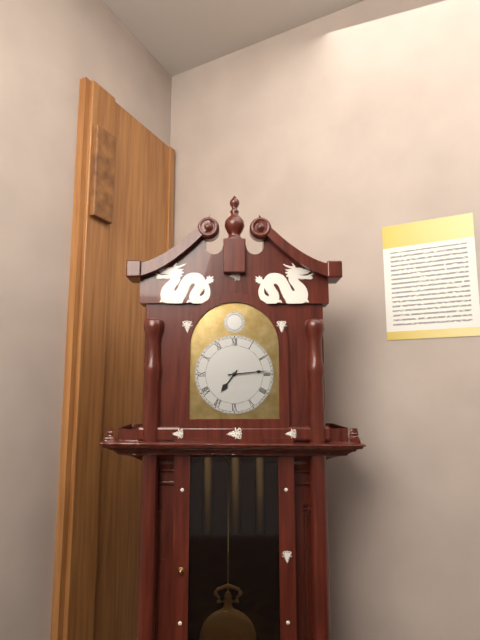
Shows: 7:14
